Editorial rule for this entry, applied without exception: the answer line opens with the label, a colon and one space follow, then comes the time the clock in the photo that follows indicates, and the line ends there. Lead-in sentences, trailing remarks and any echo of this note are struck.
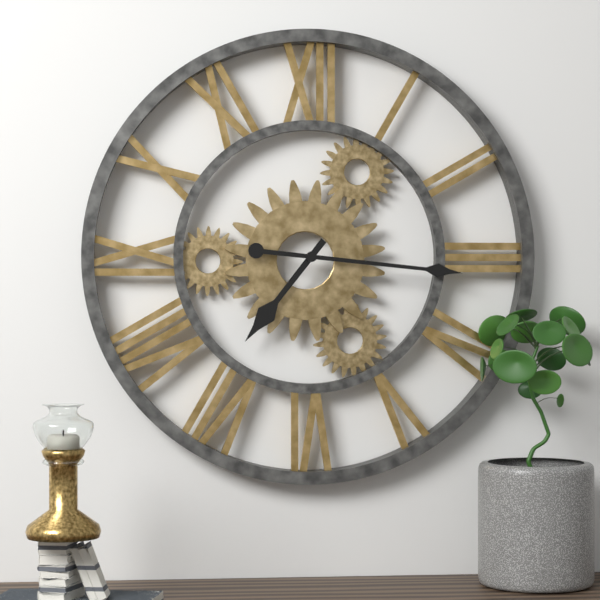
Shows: 7:16
